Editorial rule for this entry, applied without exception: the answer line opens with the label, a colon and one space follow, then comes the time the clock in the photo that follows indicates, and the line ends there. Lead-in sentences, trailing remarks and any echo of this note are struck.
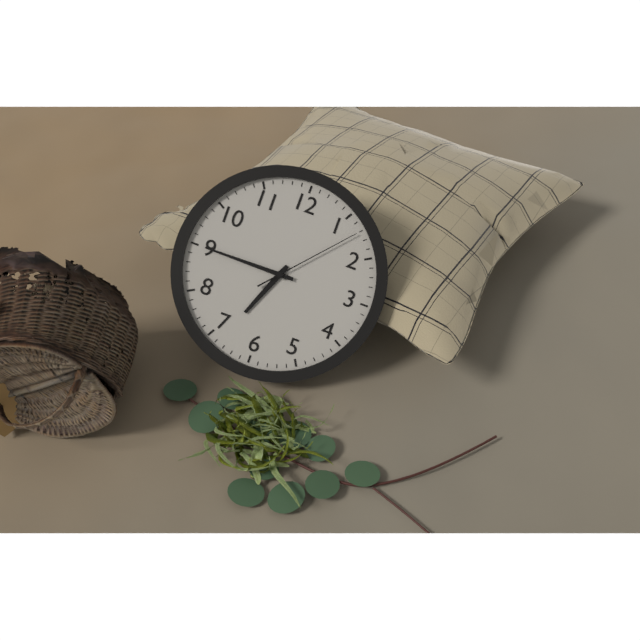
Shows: 6:45:07
